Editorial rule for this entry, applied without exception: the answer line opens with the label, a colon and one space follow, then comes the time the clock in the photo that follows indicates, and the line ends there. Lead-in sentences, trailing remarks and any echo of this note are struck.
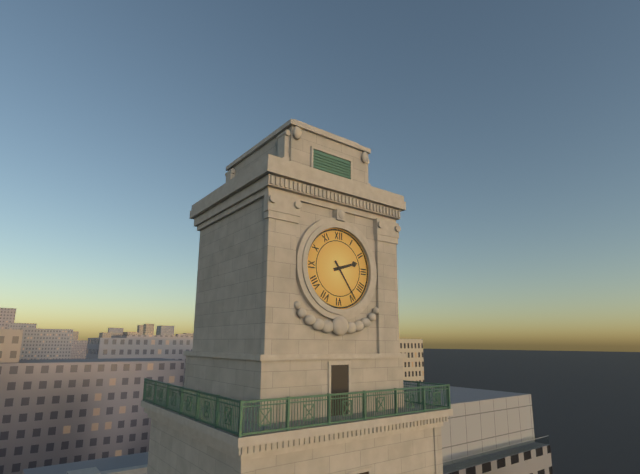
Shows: 2:24
